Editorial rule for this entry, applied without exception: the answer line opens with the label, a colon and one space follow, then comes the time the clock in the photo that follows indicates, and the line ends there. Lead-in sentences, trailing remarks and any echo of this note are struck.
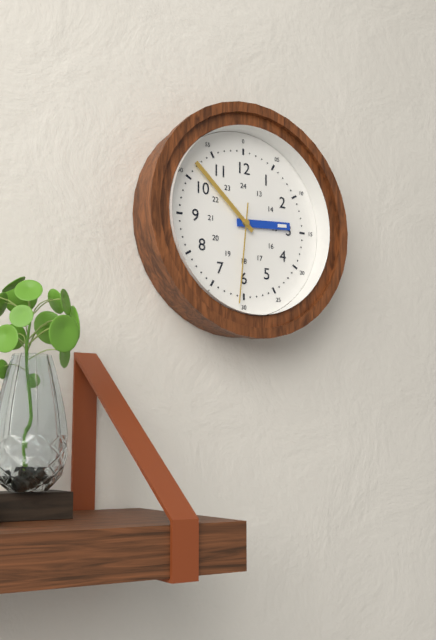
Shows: 2:52:31
